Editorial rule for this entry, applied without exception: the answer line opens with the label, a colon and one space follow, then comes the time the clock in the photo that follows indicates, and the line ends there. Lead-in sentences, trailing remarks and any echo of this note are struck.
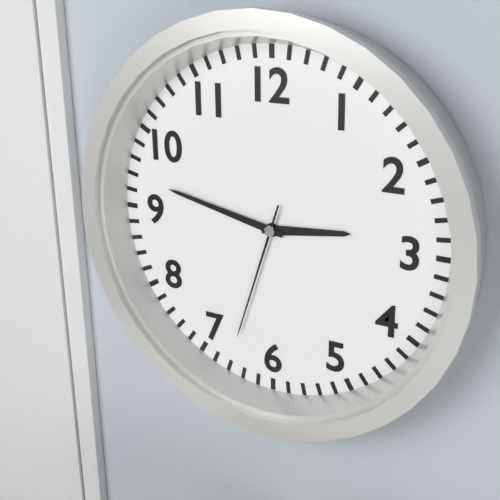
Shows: 2:47:33
